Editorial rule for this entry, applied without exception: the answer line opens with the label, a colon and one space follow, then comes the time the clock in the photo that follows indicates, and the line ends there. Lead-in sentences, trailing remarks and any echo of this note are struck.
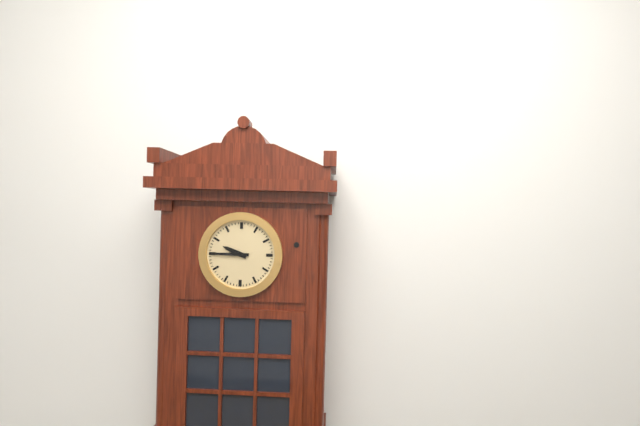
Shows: 9:45
